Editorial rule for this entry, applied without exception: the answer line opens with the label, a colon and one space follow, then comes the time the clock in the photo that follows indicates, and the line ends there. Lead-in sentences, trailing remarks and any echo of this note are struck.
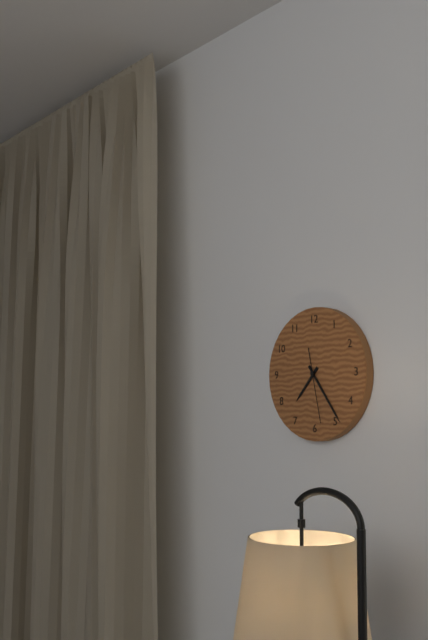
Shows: 7:24:28
